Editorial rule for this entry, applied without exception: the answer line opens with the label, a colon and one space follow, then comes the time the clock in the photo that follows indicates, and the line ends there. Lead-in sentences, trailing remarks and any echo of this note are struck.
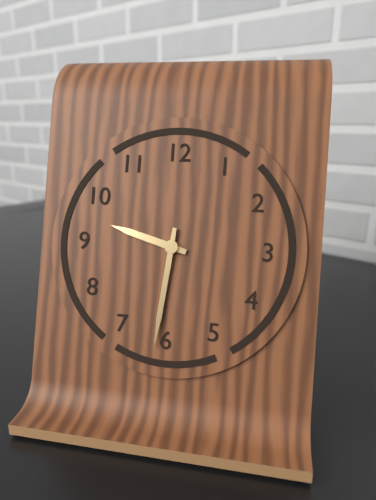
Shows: 9:31
